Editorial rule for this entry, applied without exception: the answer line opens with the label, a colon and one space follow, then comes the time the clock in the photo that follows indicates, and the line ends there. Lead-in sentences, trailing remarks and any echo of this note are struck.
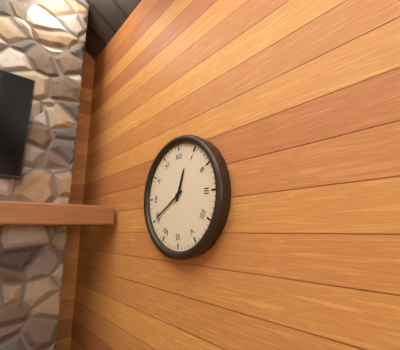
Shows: 12:40
